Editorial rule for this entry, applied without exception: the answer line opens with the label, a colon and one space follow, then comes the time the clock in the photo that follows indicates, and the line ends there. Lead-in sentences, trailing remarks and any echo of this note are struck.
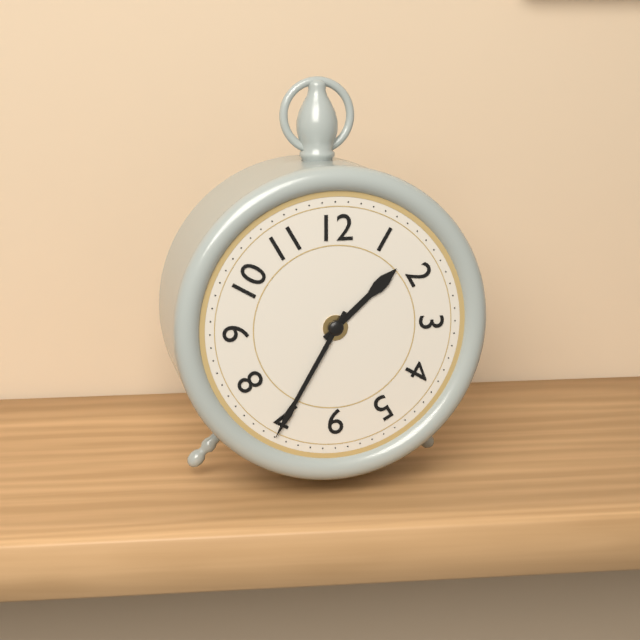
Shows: 1:35
